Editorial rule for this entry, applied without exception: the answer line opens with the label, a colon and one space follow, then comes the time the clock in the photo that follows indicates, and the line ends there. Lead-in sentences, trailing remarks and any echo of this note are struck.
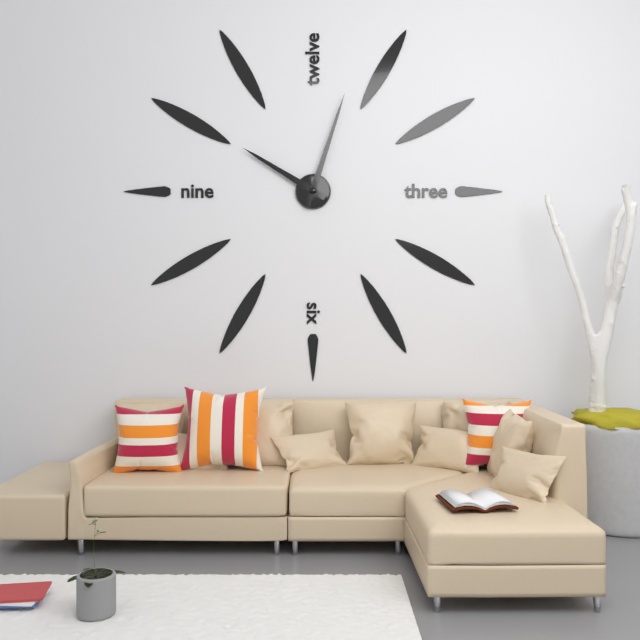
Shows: 10:03
